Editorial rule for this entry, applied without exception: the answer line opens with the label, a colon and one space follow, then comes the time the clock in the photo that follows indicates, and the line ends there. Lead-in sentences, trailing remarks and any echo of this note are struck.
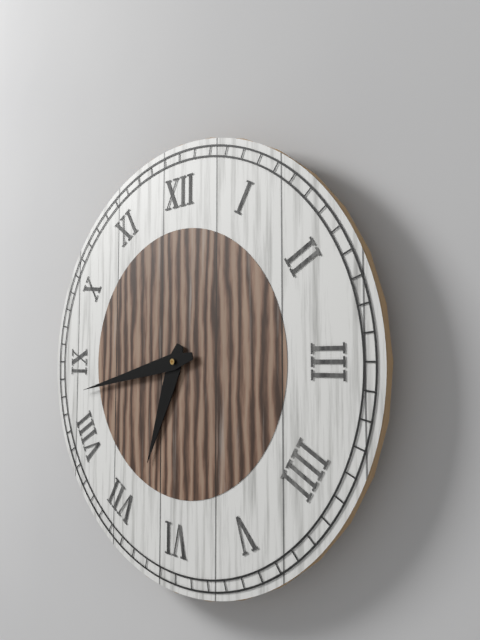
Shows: 6:43
